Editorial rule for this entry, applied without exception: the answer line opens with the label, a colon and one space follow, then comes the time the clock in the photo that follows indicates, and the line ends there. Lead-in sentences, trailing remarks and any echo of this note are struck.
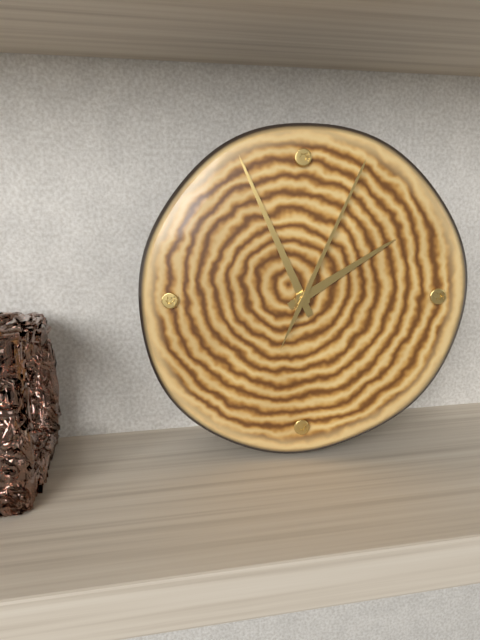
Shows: 1:56:04
